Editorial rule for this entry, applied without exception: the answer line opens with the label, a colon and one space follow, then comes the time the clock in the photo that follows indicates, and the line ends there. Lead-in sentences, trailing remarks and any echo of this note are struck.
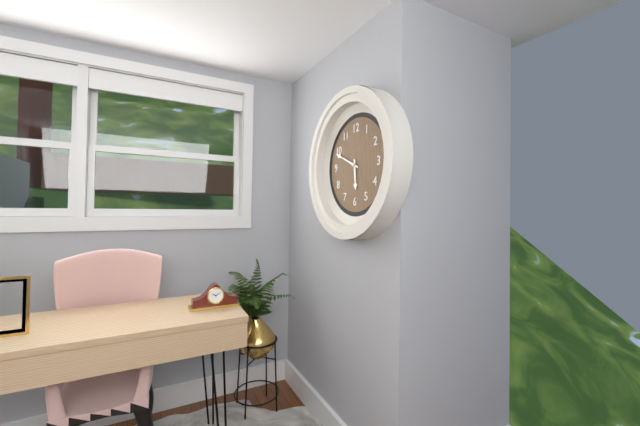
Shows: 5:49
